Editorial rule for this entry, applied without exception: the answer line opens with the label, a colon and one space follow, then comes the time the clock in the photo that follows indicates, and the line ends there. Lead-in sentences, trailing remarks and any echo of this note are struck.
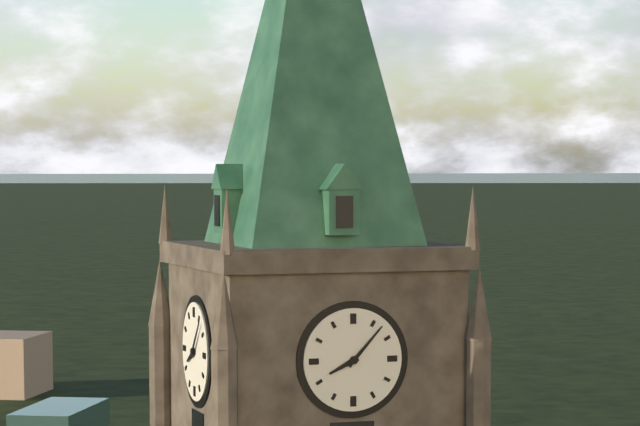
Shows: 8:07
